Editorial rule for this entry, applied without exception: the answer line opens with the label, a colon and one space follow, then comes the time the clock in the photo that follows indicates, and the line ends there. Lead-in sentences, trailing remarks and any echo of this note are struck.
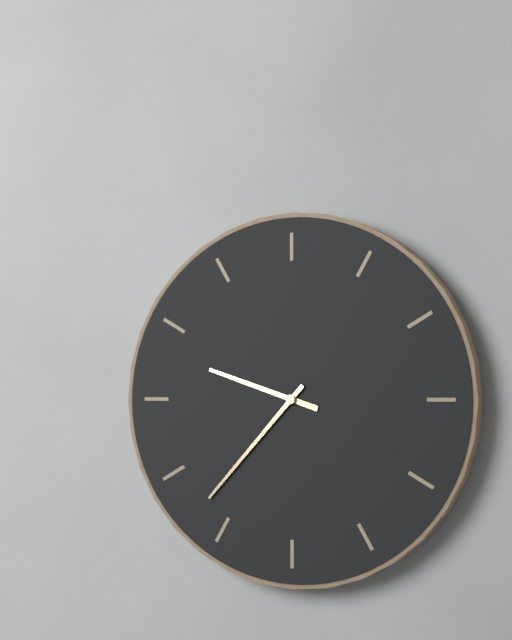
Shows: 9:37
